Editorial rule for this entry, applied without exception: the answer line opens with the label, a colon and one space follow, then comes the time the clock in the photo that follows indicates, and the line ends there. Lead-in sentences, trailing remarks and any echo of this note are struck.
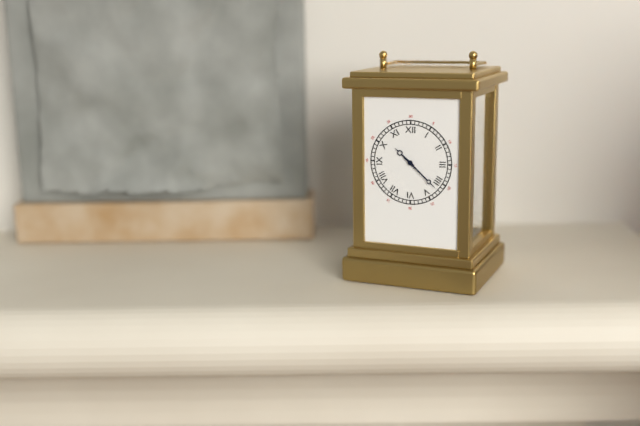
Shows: 10:22
